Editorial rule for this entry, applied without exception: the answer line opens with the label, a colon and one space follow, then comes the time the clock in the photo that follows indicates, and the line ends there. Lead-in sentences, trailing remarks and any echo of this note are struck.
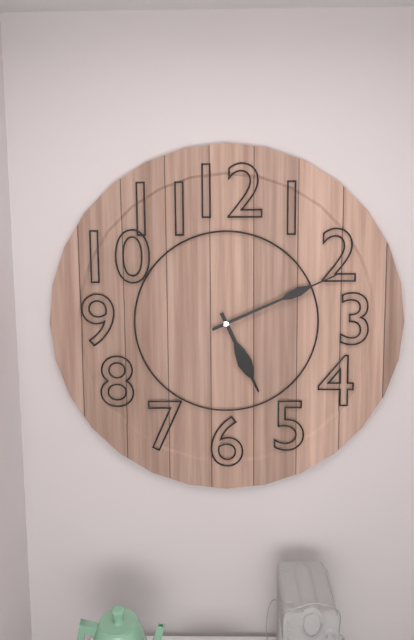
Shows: 5:11
